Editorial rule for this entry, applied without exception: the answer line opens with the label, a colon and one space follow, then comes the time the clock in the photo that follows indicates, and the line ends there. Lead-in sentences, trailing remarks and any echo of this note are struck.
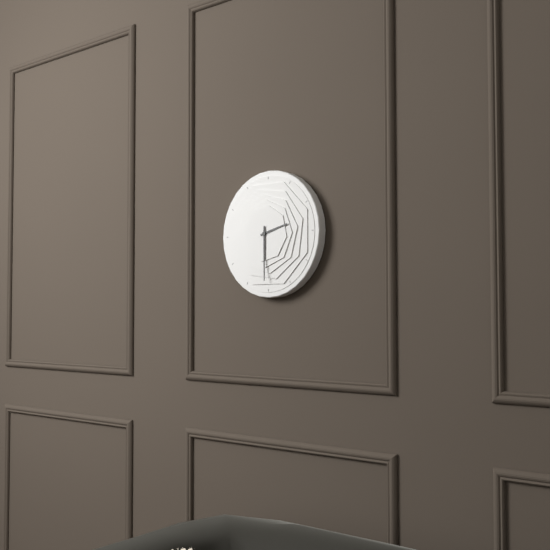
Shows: 2:30
